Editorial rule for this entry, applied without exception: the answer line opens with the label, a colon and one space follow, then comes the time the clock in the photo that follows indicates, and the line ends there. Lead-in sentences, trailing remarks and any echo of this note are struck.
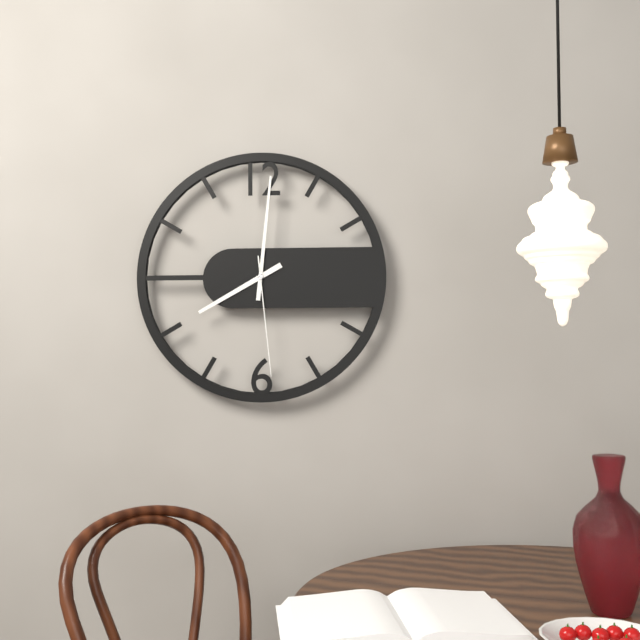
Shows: 8:01:29
